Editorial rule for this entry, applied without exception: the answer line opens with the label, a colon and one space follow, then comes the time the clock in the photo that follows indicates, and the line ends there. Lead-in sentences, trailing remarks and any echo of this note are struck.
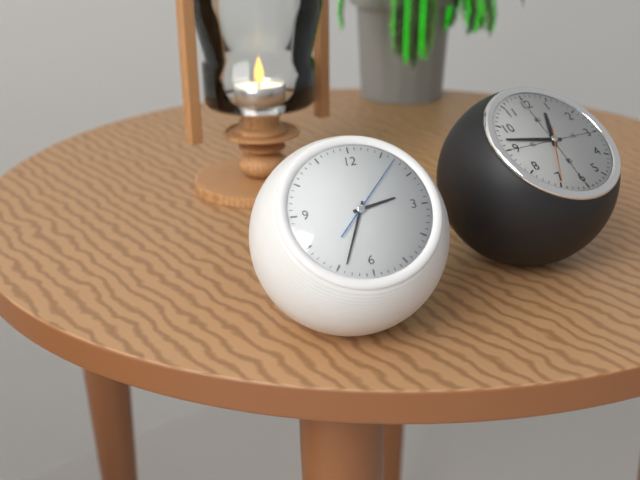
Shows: 2:34:07
